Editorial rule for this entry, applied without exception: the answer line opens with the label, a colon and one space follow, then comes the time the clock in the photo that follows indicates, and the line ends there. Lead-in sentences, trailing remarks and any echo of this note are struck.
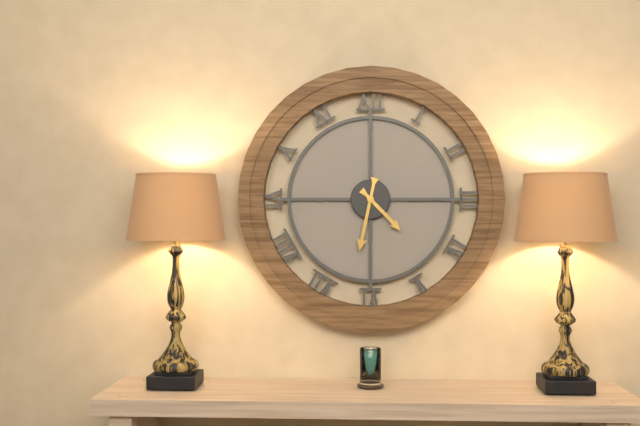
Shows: 4:32
